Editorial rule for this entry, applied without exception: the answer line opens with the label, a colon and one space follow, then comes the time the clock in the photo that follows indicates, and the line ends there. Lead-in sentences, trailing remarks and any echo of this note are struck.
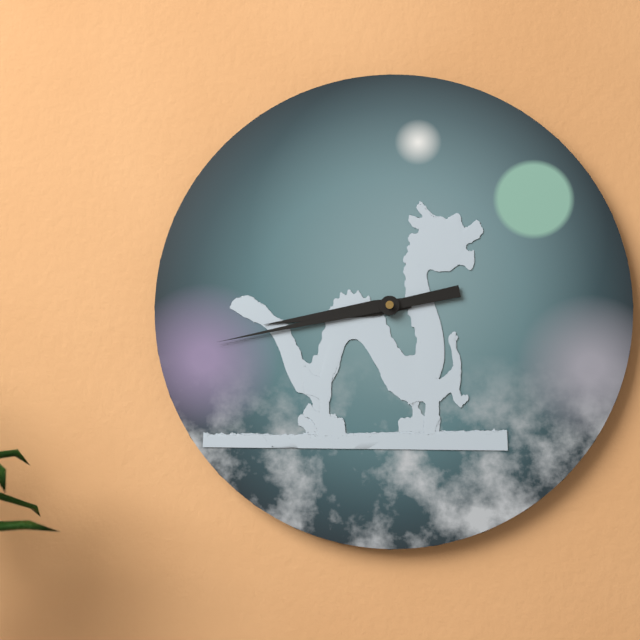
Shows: 8:43
